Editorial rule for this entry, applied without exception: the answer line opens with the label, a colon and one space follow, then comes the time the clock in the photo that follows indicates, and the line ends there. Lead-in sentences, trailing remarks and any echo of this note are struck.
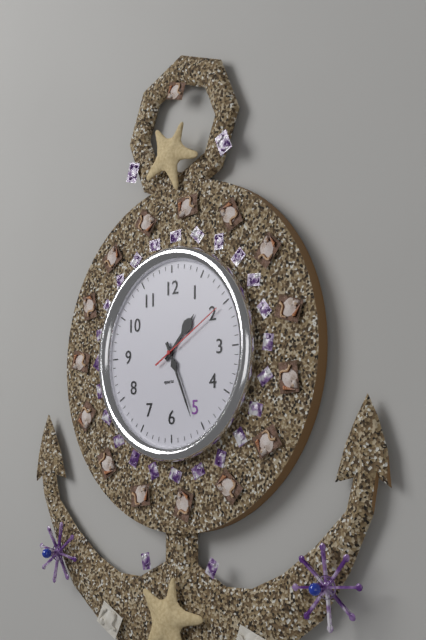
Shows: 1:26:10
